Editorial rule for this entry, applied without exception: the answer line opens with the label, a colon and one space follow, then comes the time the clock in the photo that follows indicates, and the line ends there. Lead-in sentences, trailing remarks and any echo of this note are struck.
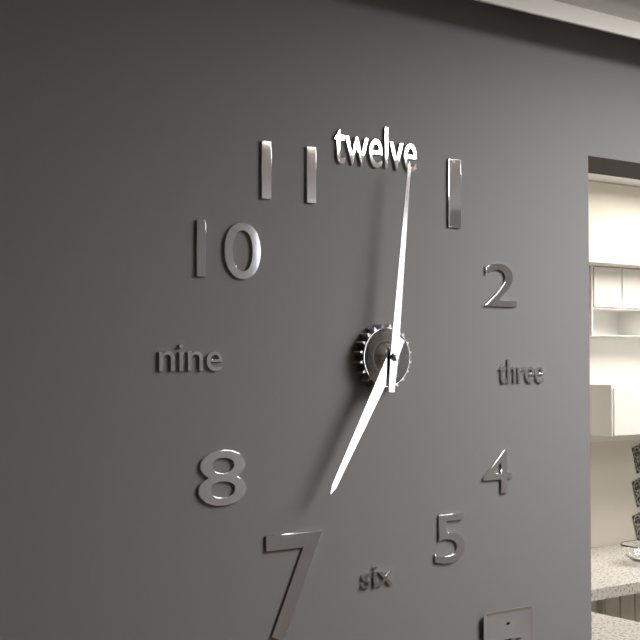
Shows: 7:01
